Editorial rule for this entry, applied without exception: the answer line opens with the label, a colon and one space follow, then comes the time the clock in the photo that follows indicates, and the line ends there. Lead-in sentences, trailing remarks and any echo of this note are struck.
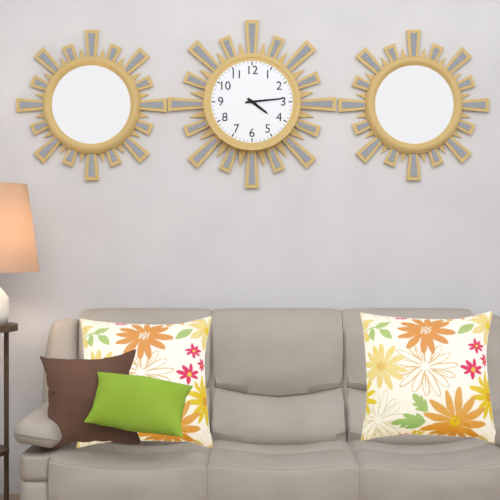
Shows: 4:14
